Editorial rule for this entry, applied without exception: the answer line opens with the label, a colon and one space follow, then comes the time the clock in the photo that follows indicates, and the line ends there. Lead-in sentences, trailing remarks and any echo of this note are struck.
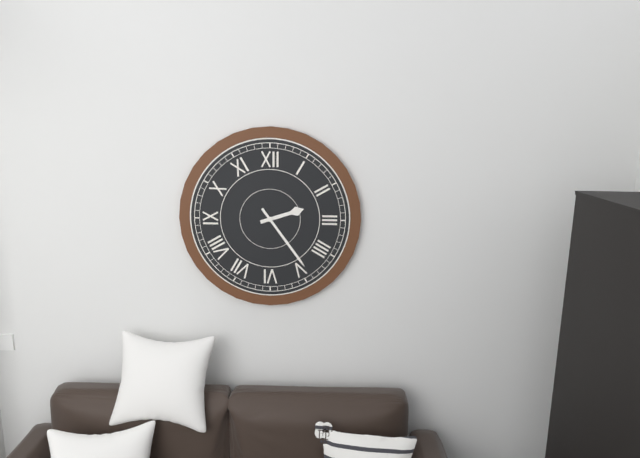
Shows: 2:24
